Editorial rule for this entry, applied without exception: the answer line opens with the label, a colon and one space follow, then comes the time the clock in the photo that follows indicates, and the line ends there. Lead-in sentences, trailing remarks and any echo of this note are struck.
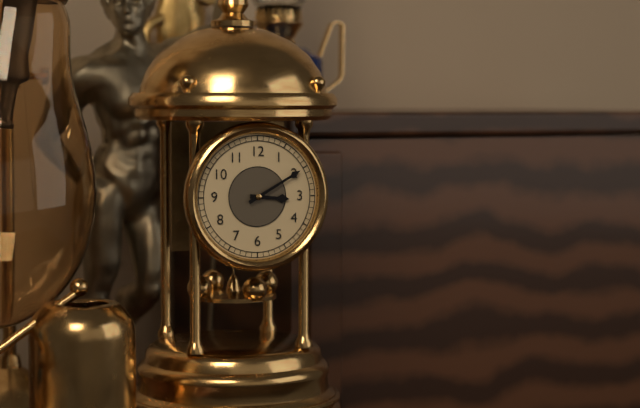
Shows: 3:10
